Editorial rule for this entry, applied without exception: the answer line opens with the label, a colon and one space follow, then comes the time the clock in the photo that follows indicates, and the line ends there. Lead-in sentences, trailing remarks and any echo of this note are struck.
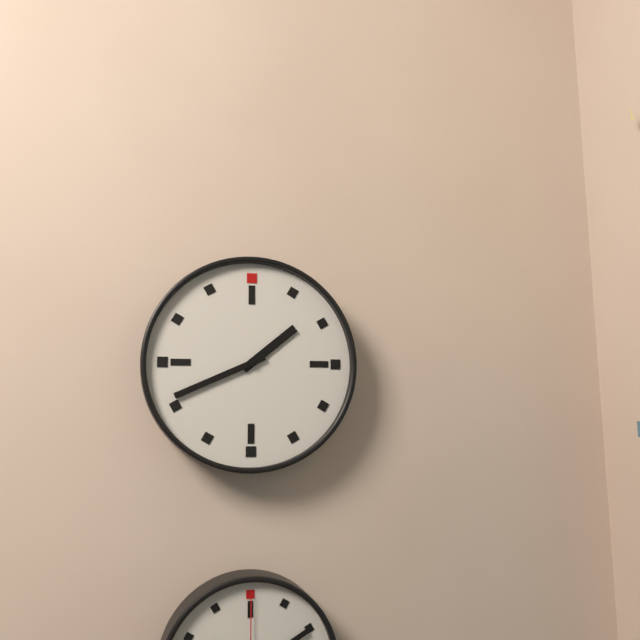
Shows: 1:41
